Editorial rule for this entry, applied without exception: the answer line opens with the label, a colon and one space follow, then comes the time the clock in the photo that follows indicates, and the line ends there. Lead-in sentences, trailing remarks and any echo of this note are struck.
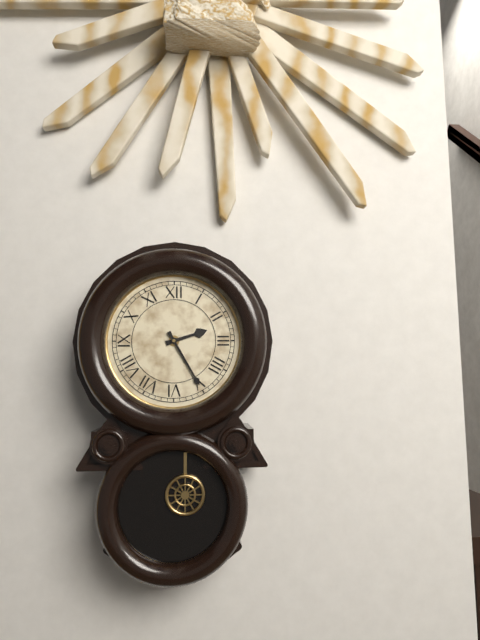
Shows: 2:25
